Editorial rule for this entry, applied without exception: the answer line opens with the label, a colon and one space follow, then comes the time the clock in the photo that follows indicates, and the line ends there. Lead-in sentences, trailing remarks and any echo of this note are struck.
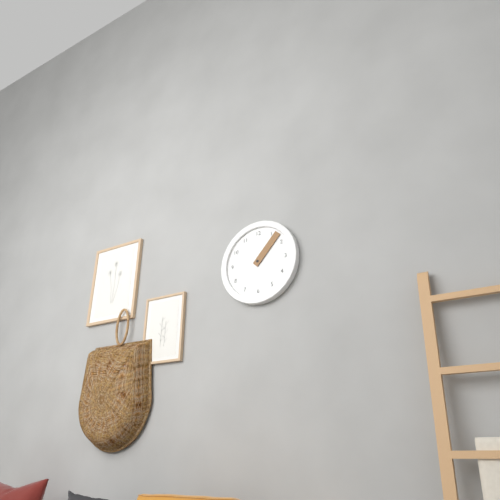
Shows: 1:07
